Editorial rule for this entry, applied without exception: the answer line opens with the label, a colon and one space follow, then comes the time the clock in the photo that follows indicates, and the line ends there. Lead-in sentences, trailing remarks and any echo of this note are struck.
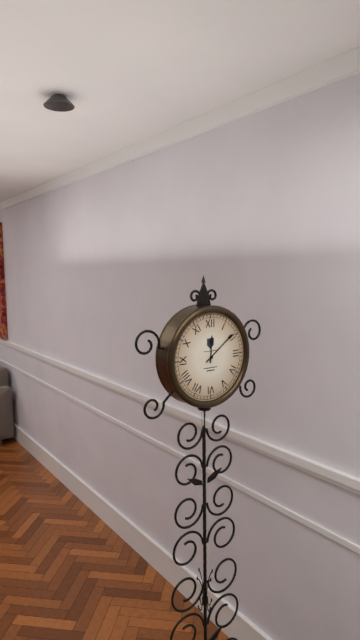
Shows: 12:09
